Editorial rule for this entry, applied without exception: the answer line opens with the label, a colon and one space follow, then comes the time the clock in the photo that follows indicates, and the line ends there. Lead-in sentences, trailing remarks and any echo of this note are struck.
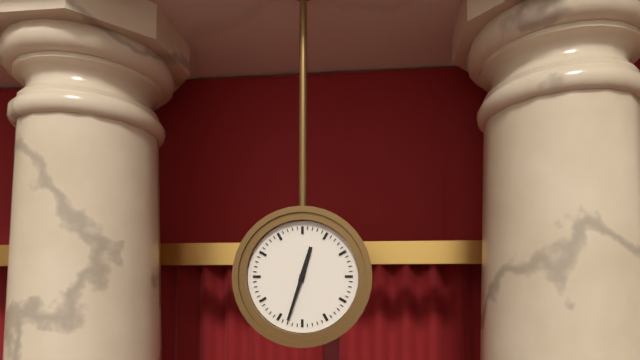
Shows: 12:33
